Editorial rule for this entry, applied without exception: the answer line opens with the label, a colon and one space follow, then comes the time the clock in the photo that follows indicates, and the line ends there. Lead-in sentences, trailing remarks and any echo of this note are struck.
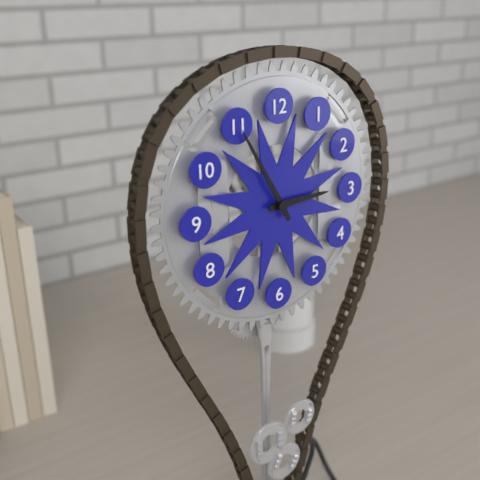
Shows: 2:55
